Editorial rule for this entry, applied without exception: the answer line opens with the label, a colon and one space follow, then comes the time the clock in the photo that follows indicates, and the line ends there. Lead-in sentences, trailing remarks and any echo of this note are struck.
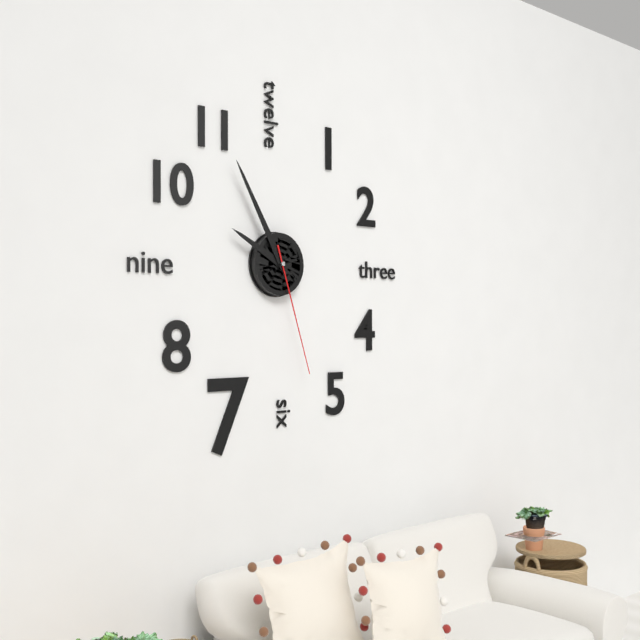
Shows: 9:55:27
